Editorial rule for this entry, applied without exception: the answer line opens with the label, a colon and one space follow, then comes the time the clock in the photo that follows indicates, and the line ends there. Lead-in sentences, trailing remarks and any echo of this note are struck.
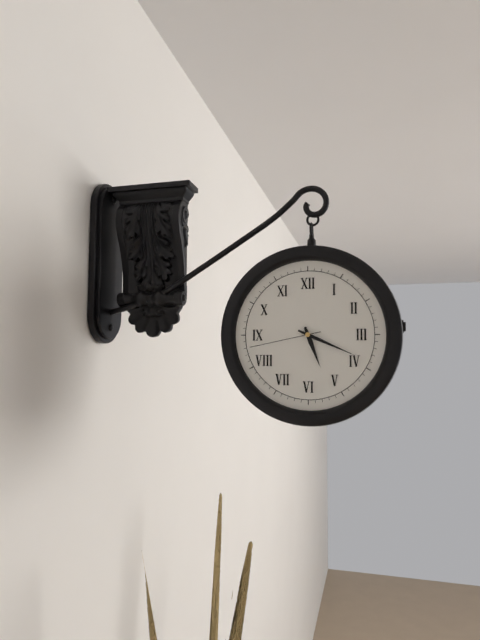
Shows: 5:19:43
